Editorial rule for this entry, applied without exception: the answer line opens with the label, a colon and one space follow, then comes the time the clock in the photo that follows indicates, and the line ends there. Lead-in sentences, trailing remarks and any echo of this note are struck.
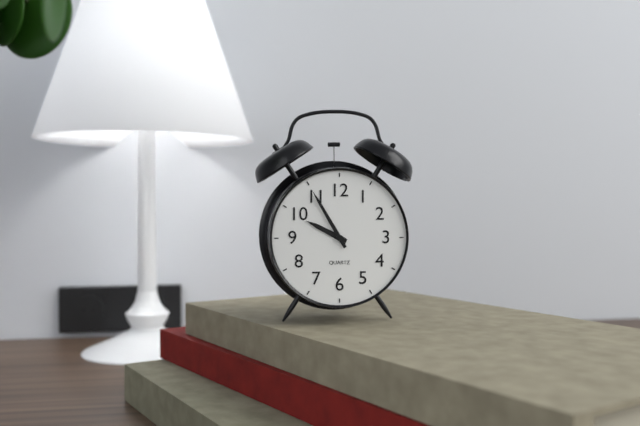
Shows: 9:55
